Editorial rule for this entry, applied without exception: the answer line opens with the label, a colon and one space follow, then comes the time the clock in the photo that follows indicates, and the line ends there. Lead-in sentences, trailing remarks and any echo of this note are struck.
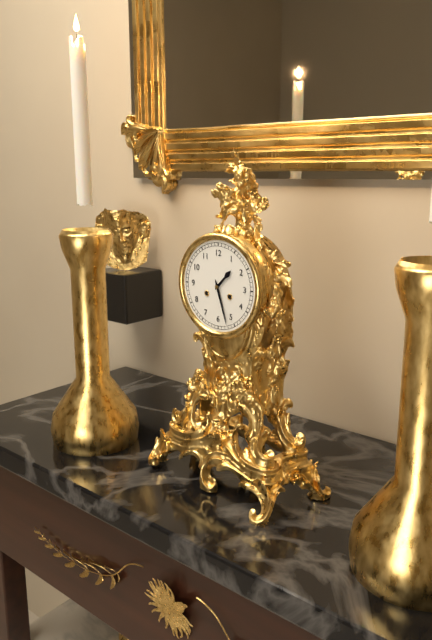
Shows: 1:27
